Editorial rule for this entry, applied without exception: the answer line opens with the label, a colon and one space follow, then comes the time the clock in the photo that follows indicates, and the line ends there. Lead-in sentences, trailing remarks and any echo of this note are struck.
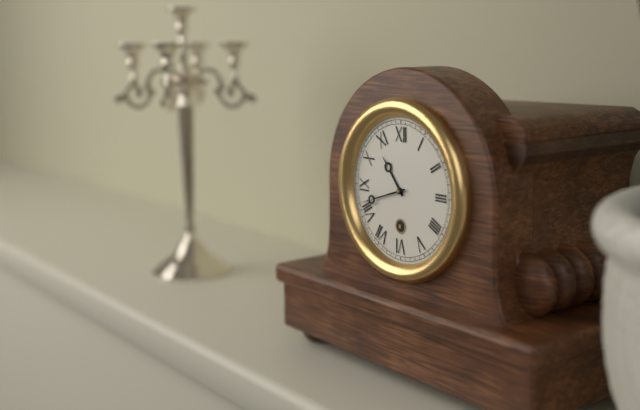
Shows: 10:42
